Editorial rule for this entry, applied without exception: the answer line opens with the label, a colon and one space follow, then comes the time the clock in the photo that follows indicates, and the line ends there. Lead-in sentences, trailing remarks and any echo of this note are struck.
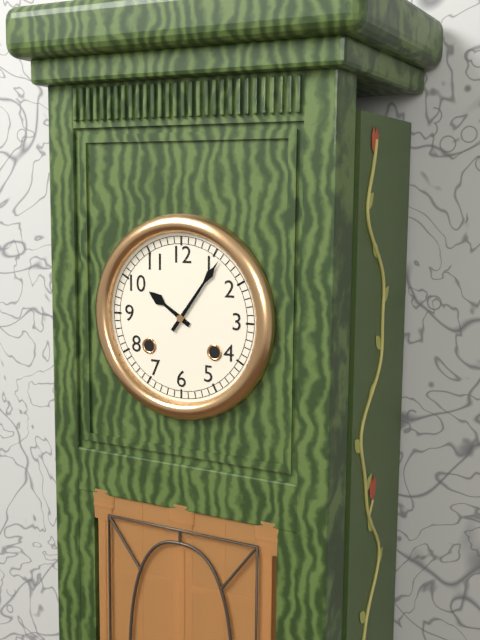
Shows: 10:06
